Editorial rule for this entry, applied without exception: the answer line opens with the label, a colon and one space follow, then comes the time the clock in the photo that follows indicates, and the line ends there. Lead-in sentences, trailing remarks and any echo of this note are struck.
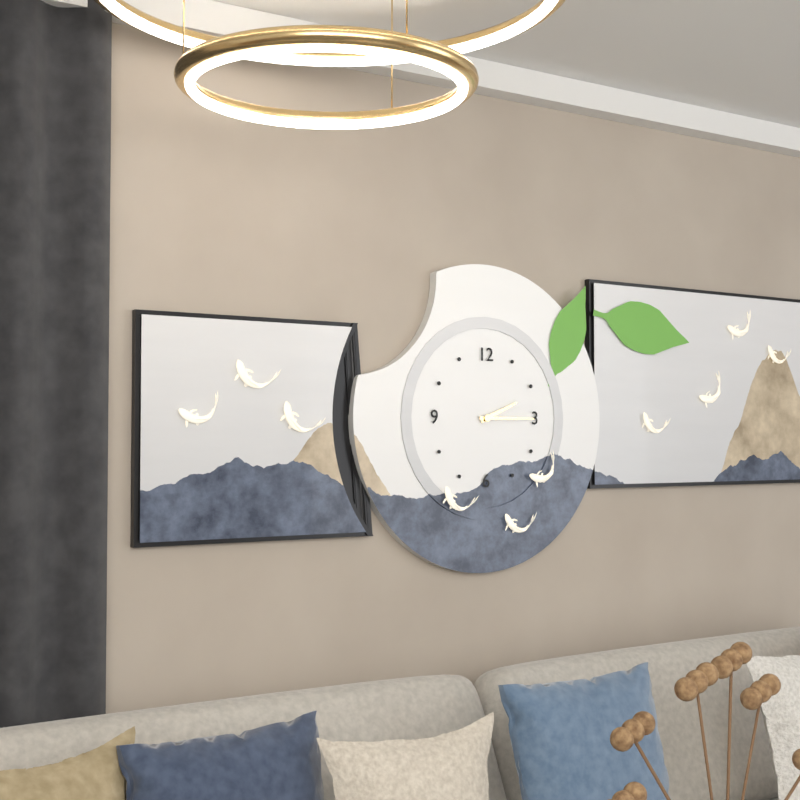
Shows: 2:15
